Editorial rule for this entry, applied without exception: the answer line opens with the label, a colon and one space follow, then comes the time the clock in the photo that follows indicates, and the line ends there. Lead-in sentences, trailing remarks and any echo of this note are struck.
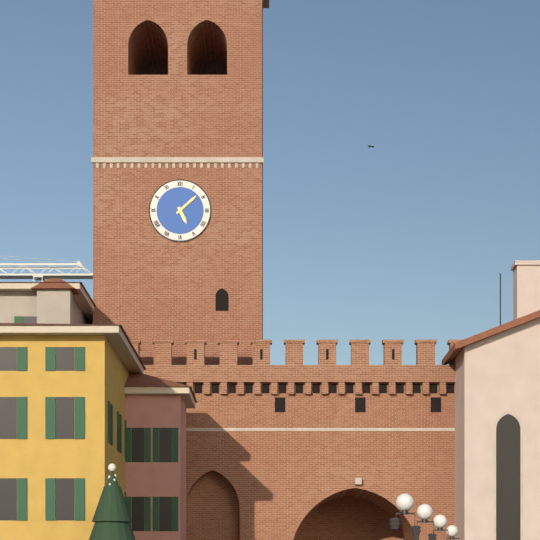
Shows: 5:08
